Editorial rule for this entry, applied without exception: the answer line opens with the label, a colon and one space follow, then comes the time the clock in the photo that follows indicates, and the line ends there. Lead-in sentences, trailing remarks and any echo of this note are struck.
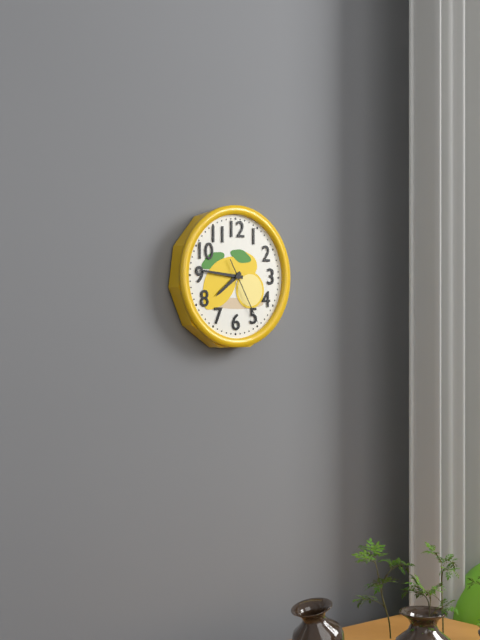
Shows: 7:46:25
